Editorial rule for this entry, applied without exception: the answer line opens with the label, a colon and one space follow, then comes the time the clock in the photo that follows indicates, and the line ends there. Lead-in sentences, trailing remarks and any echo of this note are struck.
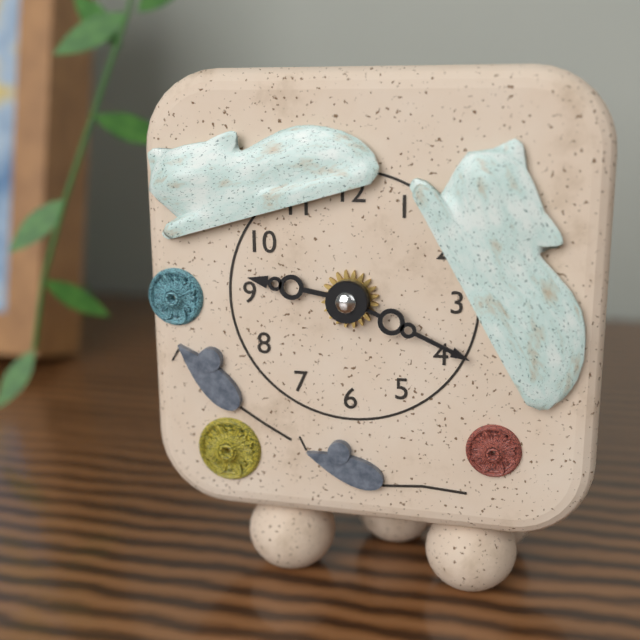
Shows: 9:19
